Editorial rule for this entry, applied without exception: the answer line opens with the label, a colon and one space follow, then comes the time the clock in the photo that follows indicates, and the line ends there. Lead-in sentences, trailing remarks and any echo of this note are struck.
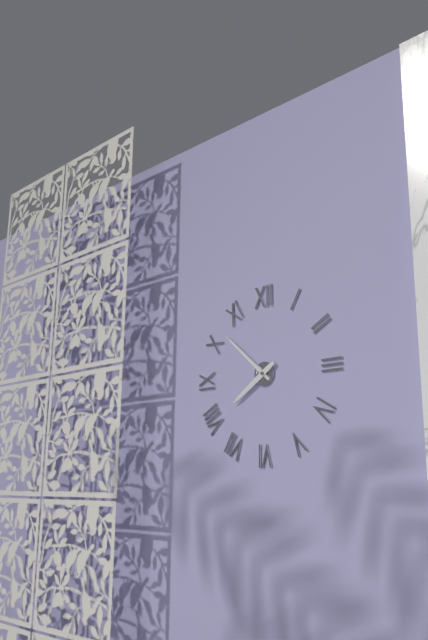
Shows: 7:52
